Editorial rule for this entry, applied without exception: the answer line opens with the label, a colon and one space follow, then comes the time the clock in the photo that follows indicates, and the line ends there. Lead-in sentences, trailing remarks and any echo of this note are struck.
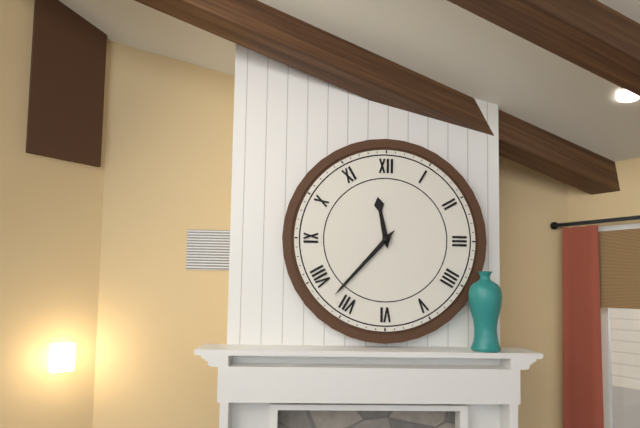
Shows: 11:37
